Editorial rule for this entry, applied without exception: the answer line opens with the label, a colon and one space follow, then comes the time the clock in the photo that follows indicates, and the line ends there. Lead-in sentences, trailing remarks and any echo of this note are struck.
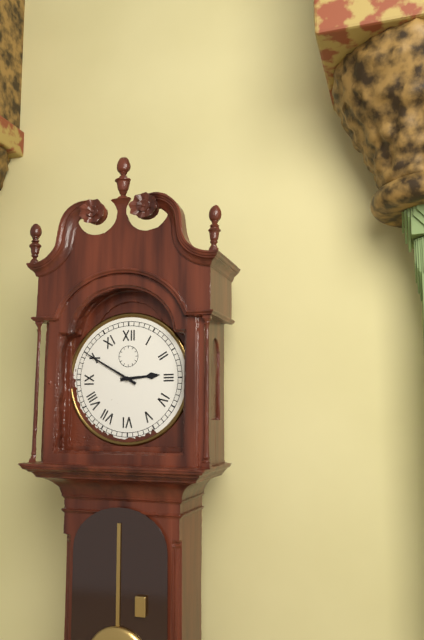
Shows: 2:50
